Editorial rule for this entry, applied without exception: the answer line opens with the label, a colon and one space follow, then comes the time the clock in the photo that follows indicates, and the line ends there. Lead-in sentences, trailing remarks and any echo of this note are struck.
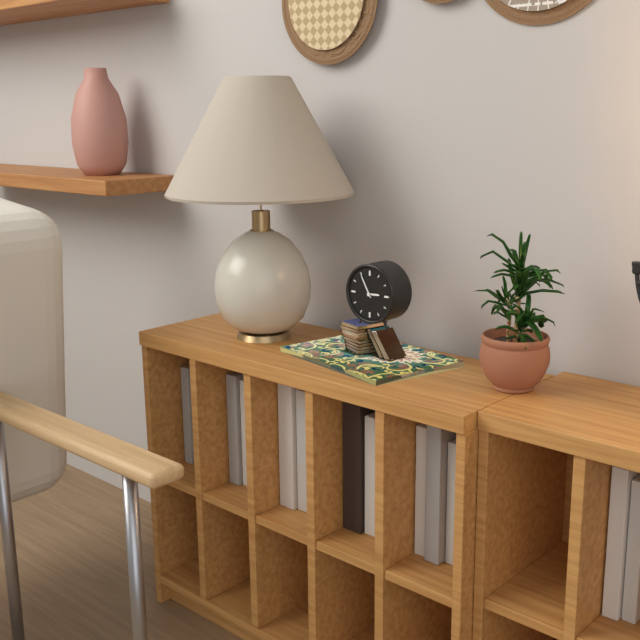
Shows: 2:55
